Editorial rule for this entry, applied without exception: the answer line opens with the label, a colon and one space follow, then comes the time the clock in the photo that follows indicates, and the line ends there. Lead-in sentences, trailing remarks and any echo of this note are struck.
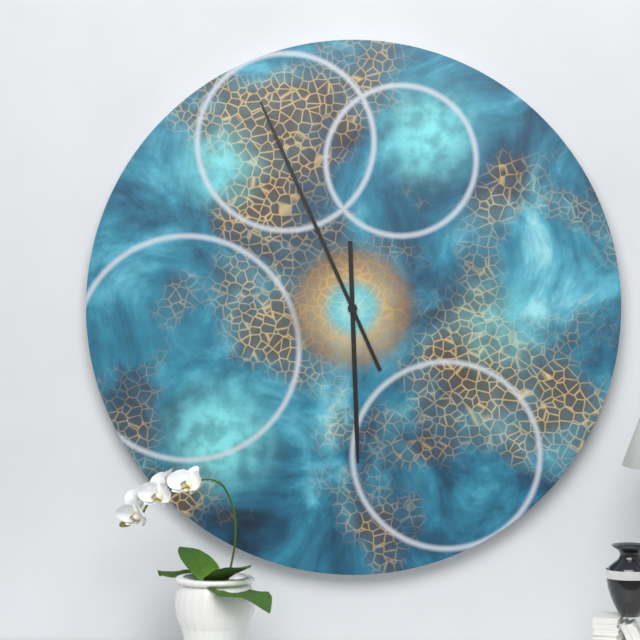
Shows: 5:56
